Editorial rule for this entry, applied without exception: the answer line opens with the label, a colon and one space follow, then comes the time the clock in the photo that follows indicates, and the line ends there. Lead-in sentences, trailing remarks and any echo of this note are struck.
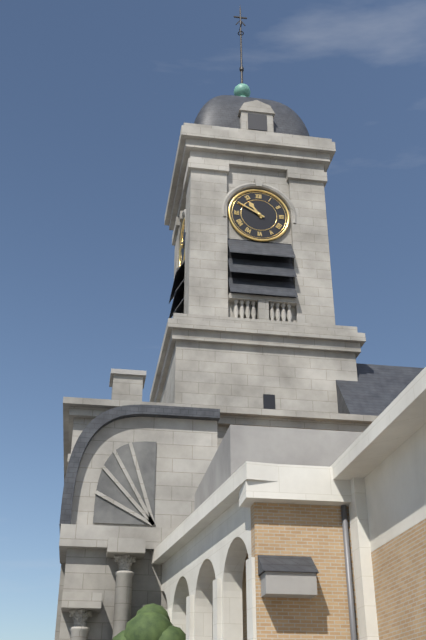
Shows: 10:50
